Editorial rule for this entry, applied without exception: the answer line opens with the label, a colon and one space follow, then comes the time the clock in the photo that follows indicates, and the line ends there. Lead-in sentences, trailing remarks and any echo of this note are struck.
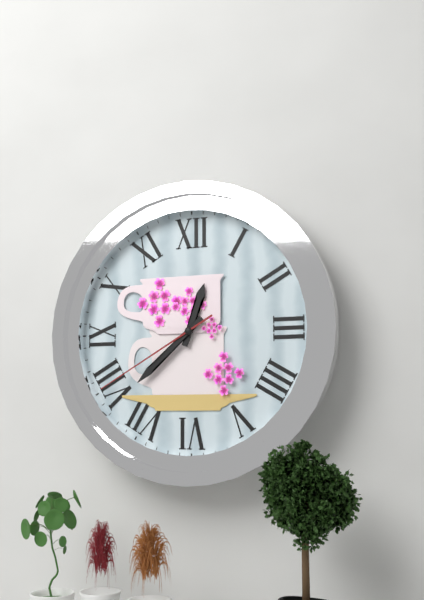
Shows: 12:38:40
